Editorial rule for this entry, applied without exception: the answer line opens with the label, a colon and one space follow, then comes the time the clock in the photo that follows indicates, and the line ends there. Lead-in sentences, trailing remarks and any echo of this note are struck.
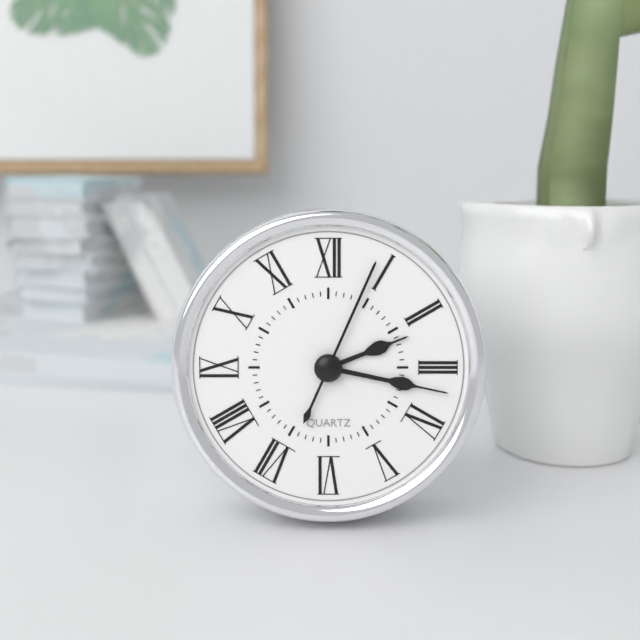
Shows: 2:17:04
